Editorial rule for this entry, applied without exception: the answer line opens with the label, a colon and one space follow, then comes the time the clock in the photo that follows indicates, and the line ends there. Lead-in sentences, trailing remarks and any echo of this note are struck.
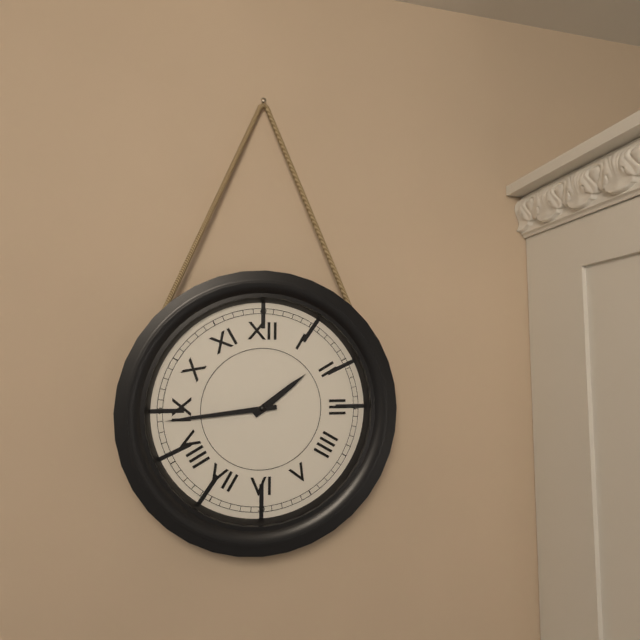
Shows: 1:44
